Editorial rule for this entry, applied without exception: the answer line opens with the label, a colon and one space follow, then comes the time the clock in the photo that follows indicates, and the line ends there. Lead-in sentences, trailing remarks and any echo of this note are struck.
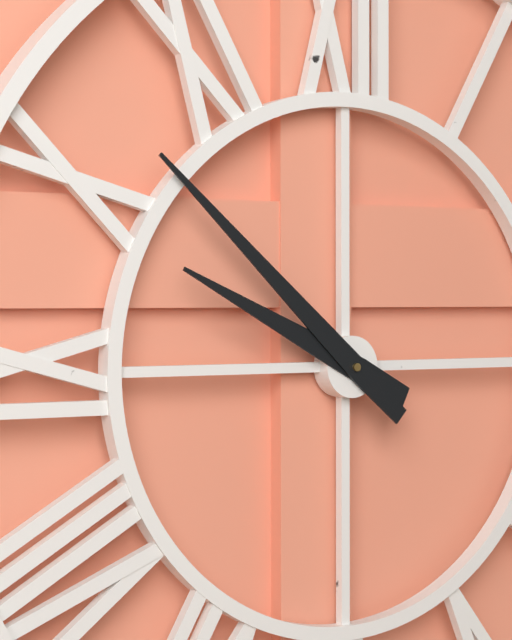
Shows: 9:52
